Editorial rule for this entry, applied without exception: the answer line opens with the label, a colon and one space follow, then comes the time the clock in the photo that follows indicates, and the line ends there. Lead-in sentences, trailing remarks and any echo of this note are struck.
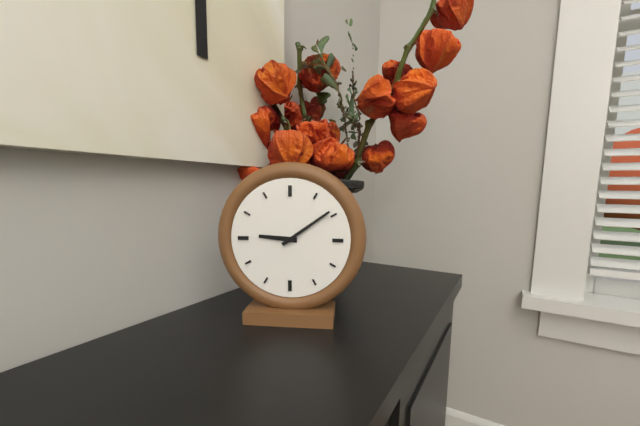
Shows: 9:09
